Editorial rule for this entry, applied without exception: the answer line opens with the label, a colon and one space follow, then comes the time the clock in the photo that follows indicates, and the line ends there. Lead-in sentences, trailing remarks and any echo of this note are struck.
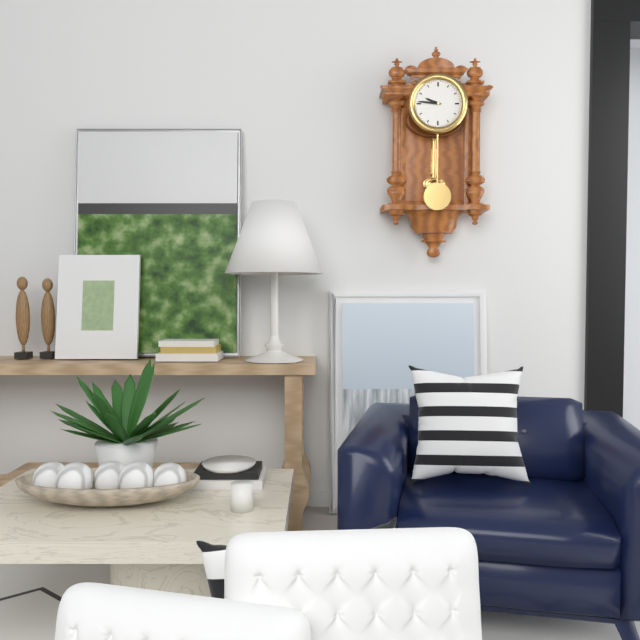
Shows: 9:46
